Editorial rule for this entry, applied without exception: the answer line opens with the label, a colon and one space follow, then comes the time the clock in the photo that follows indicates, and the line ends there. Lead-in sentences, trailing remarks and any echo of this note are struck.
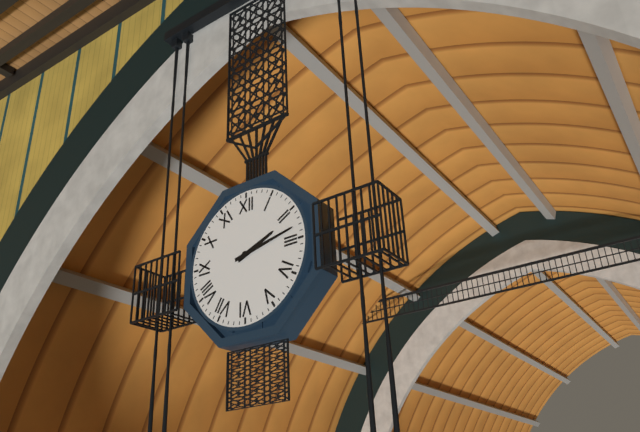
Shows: 2:13
